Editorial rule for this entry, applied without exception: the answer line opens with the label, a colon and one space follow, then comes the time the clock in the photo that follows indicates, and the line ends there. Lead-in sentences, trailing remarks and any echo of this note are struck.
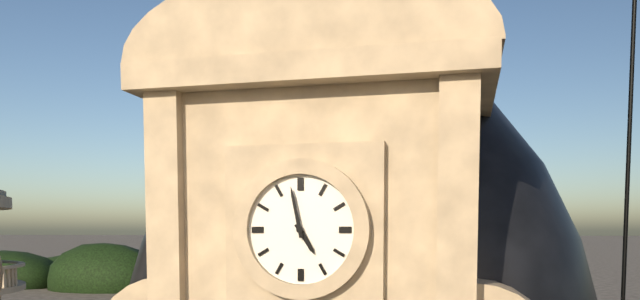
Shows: 4:58
